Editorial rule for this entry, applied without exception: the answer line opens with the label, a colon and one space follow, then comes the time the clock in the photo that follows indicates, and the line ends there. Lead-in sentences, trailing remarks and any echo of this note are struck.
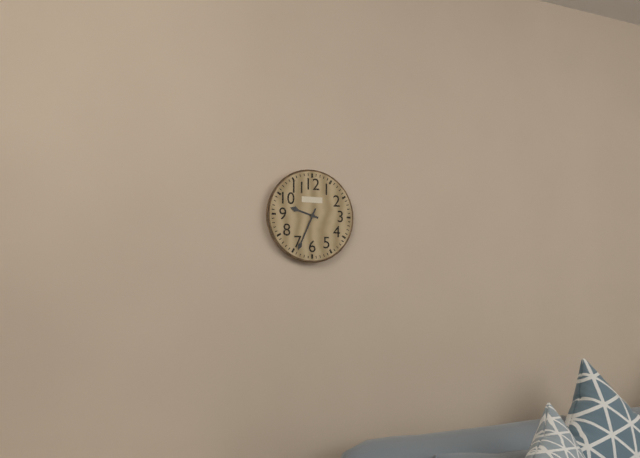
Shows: 9:34
